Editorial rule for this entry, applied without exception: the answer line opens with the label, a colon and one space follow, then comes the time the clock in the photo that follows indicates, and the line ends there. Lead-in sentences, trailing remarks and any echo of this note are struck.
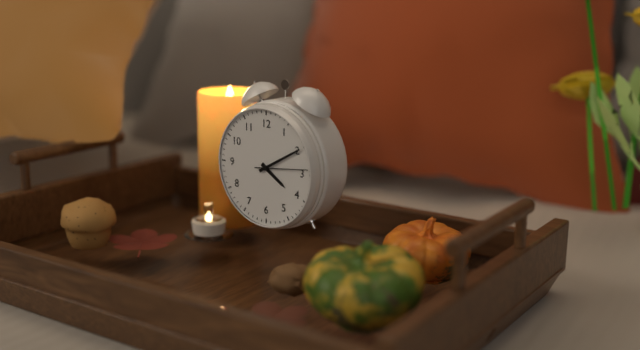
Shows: 4:10:14
